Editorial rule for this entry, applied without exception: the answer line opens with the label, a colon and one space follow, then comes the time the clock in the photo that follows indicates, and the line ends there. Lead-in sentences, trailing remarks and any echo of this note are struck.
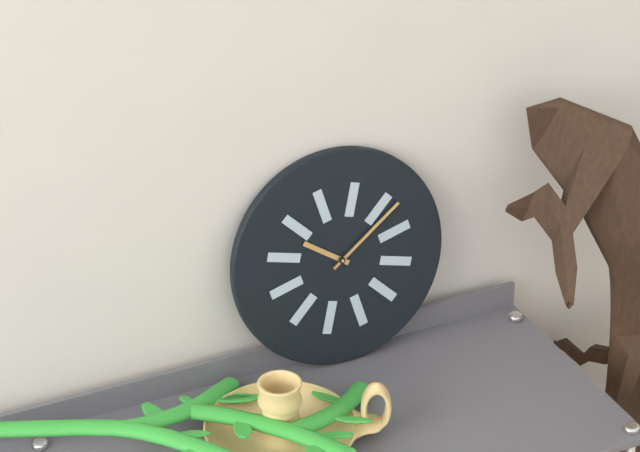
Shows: 10:09
